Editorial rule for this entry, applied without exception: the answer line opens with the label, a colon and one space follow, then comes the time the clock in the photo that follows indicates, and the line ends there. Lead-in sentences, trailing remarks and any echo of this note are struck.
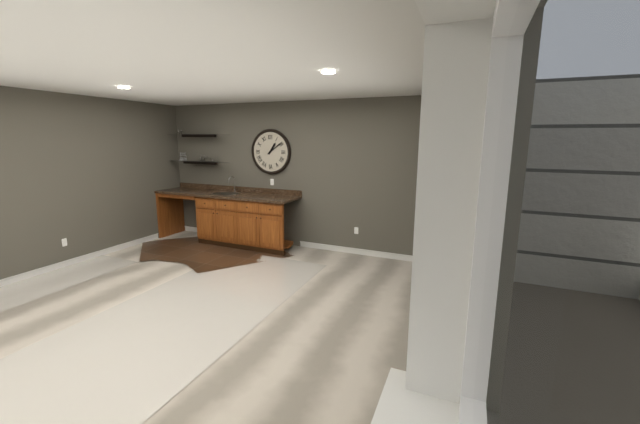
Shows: 1:09
